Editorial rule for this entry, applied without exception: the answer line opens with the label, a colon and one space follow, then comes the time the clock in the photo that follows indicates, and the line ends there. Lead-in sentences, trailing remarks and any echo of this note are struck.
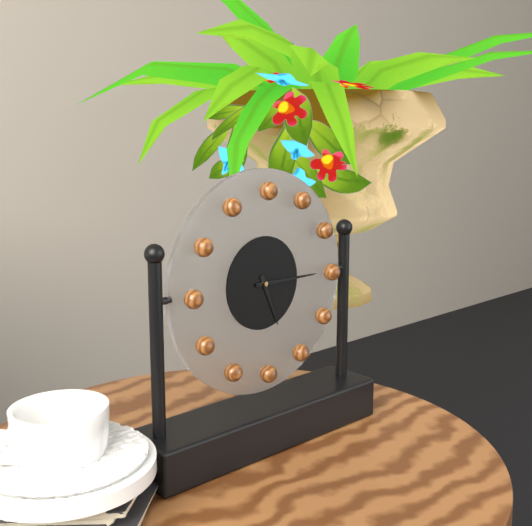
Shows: 5:15
